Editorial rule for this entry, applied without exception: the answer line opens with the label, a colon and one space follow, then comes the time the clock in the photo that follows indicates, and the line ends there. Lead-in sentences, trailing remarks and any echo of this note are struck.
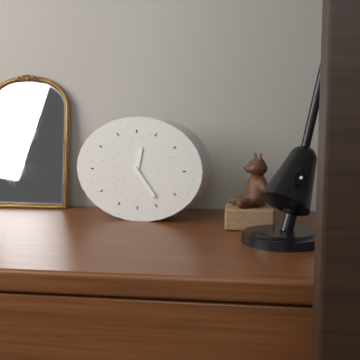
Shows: 12:24
